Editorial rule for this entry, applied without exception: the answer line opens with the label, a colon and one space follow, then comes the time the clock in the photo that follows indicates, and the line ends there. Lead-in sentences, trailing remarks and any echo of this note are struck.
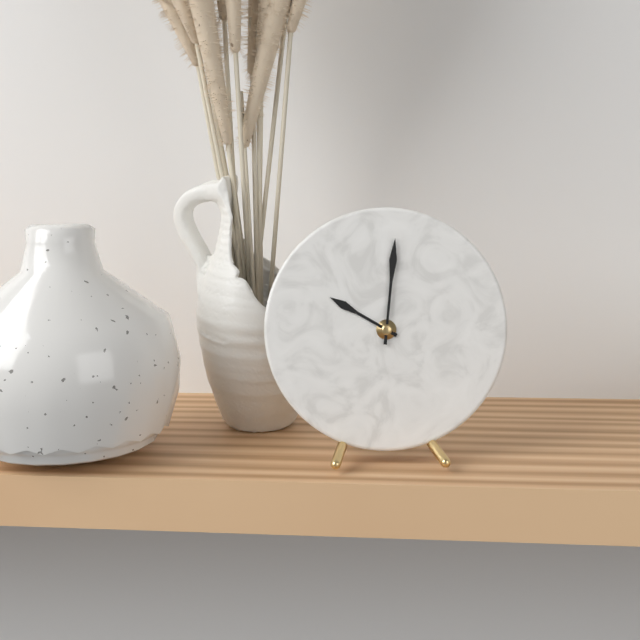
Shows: 10:01
